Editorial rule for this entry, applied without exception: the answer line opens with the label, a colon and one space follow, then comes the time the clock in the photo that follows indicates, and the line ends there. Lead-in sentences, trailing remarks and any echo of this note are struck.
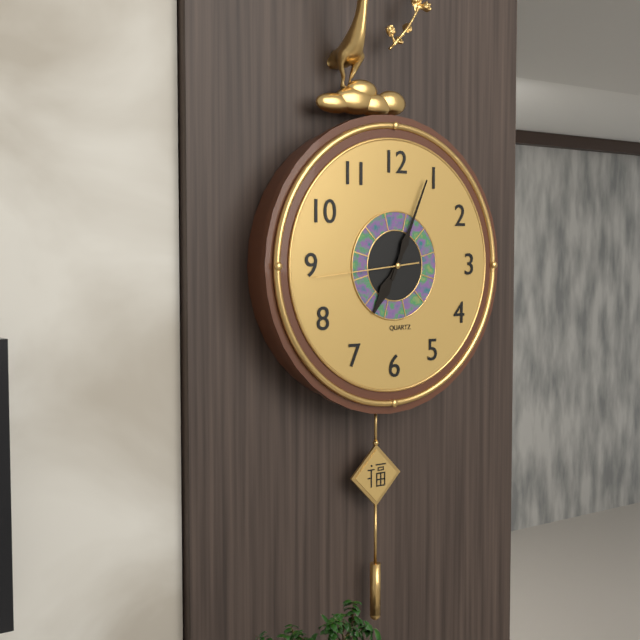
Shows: 7:04:44
